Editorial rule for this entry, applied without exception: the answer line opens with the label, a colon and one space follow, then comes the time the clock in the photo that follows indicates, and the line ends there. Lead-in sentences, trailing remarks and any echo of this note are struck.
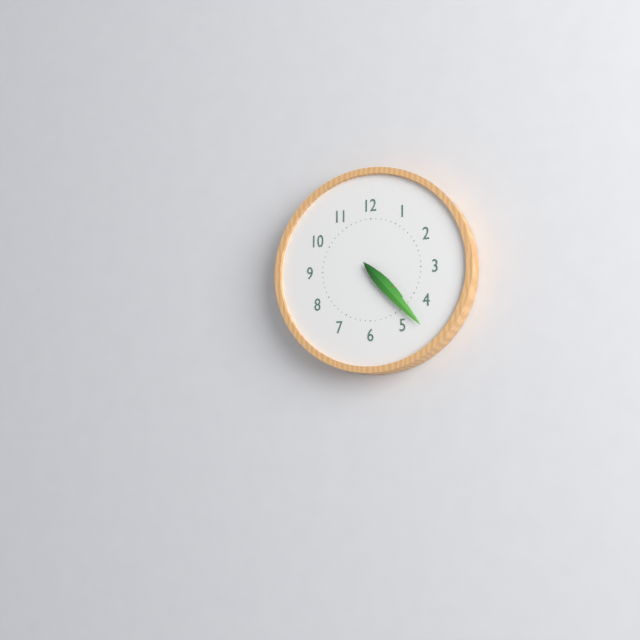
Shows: 4:23
